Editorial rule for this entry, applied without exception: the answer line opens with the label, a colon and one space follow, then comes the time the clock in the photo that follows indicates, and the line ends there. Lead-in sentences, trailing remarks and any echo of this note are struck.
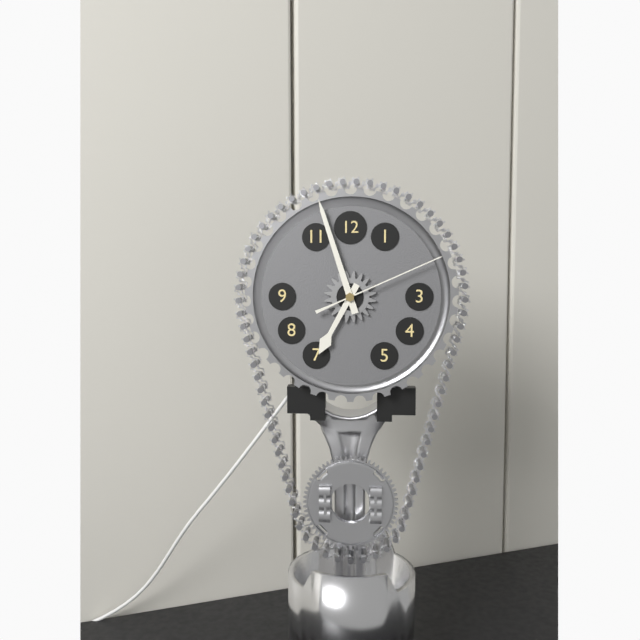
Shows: 6:57:11
